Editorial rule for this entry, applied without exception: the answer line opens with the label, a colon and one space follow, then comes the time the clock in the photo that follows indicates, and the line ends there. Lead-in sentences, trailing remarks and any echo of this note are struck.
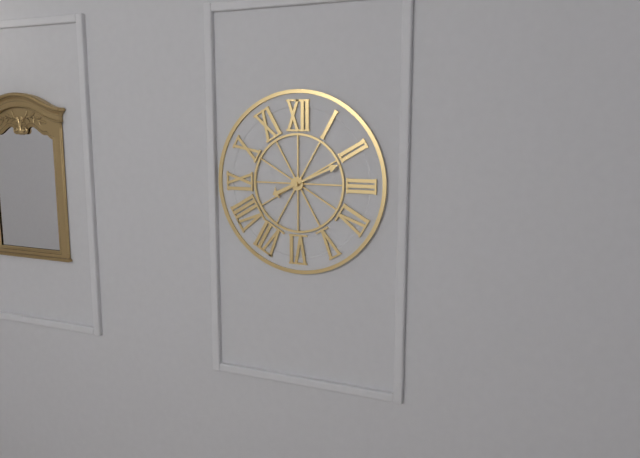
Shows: 8:11
